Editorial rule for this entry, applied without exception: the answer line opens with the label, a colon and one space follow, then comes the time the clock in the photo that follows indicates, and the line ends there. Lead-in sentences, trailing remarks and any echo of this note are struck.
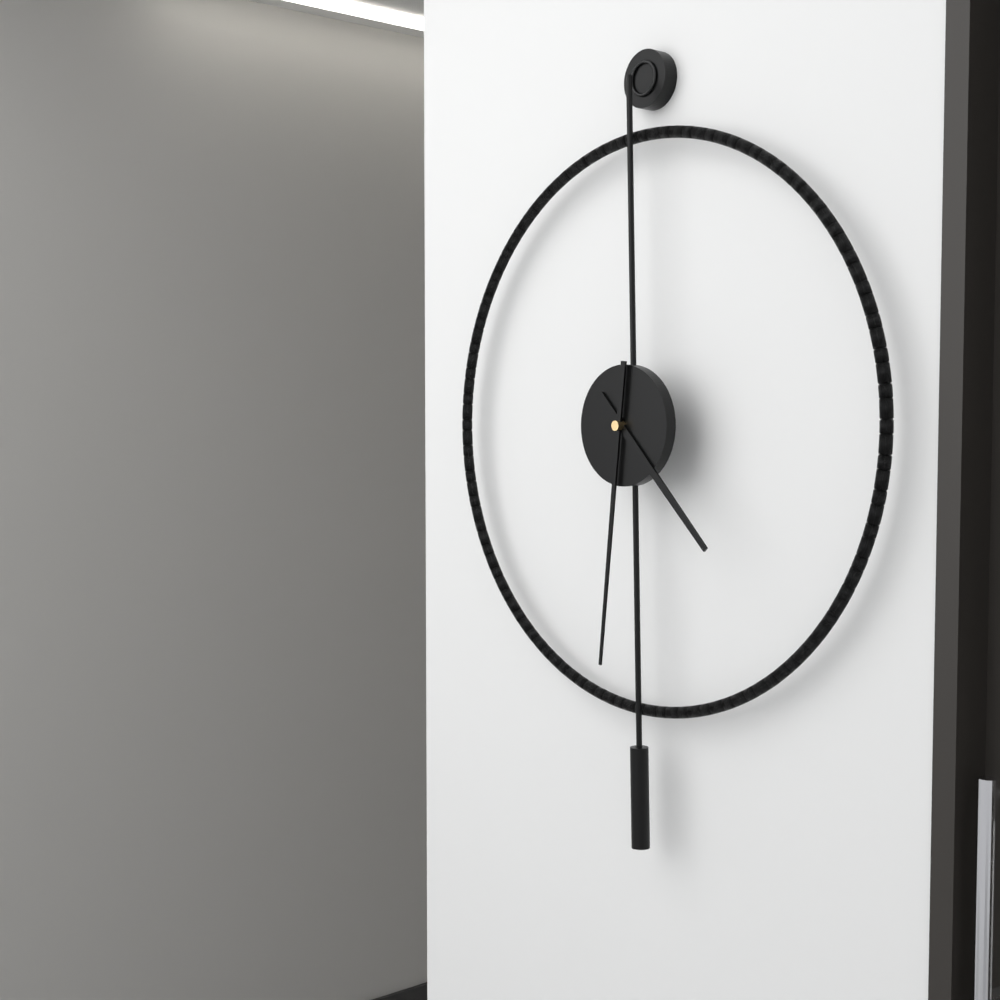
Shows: 4:31
